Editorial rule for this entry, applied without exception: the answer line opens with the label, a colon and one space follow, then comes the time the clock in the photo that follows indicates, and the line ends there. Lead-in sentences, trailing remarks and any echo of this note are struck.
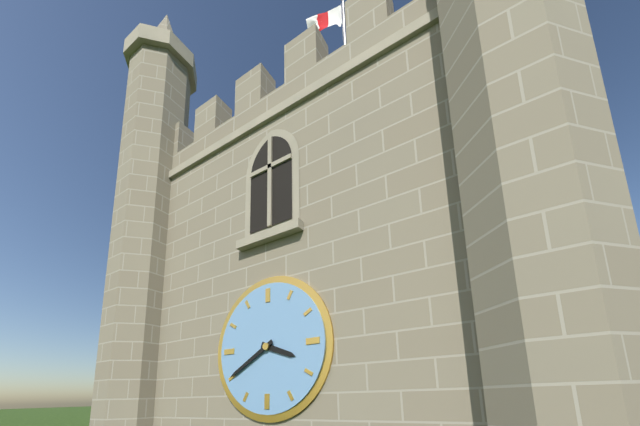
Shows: 3:40
